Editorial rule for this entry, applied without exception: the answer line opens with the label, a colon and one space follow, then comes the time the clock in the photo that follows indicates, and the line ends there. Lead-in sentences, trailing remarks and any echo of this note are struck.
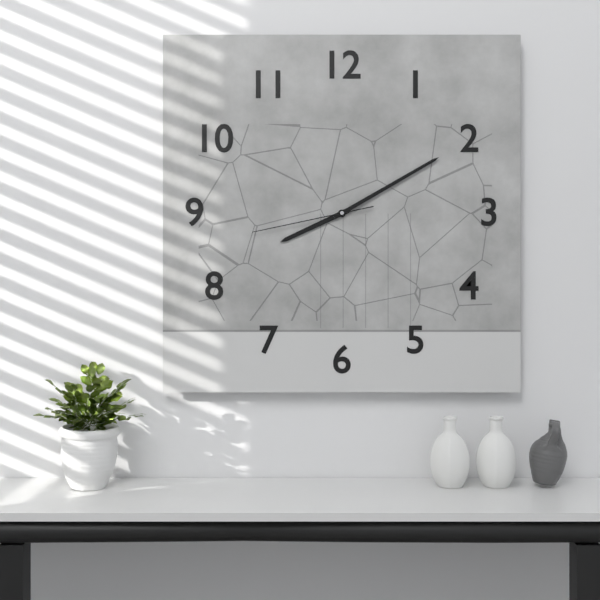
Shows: 8:10:43
